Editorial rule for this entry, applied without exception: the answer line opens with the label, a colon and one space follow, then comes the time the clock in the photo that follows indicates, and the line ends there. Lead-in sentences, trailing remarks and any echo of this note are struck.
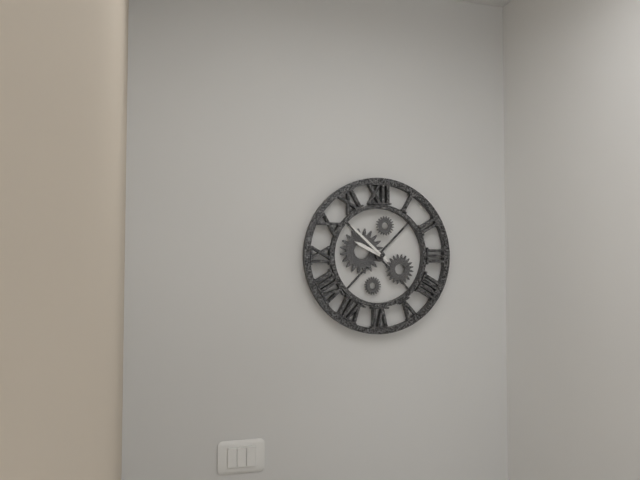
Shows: 9:52
